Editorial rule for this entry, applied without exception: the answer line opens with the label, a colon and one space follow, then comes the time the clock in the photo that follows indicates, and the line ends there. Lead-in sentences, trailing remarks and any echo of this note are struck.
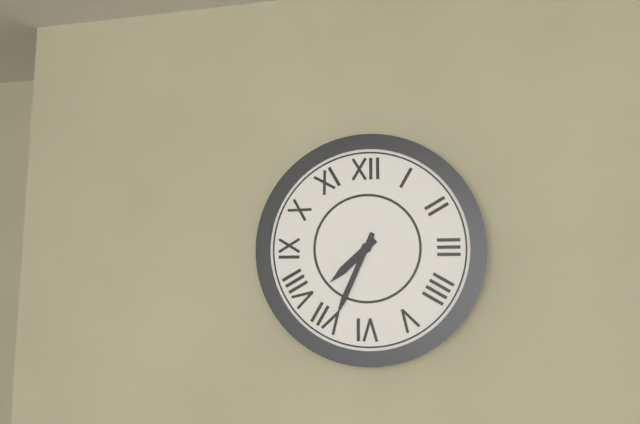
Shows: 7:34
